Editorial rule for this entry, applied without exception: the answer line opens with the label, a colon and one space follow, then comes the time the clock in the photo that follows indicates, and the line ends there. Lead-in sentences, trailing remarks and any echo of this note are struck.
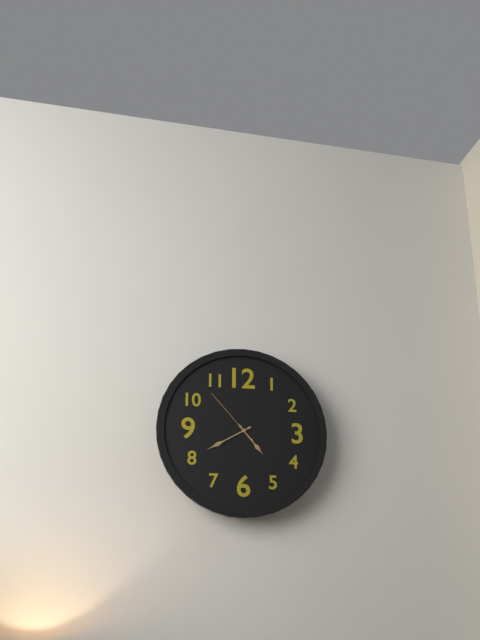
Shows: 4:40:53
